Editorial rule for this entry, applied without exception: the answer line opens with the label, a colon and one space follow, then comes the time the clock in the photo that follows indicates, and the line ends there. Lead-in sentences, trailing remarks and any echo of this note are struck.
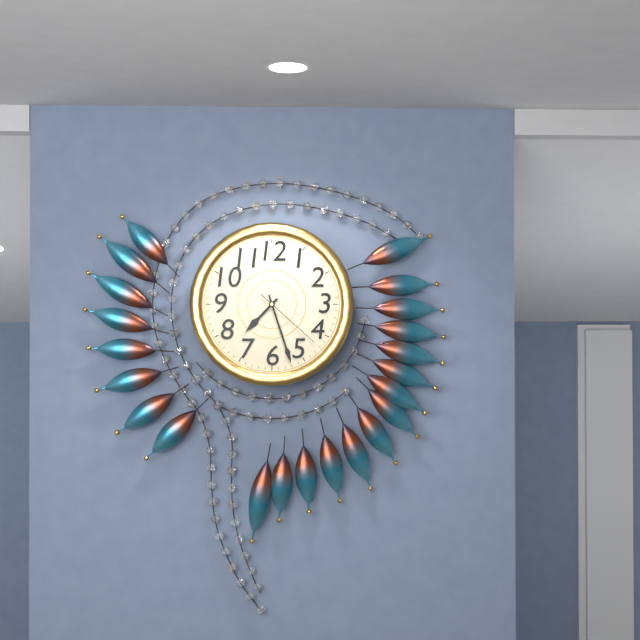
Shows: 7:27:22
